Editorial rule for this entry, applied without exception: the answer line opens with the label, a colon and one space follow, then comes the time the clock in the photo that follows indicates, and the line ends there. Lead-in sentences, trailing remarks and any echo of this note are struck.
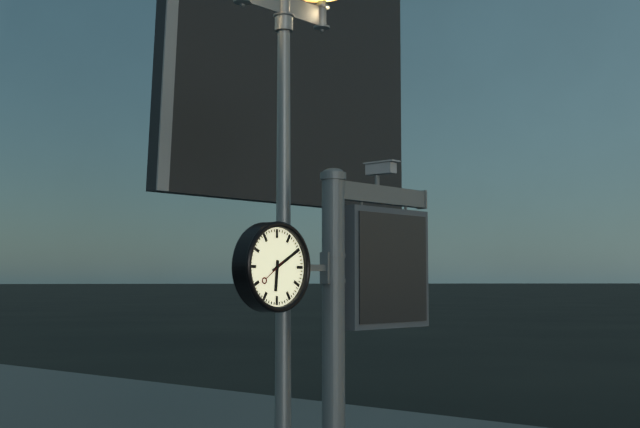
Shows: 6:10
